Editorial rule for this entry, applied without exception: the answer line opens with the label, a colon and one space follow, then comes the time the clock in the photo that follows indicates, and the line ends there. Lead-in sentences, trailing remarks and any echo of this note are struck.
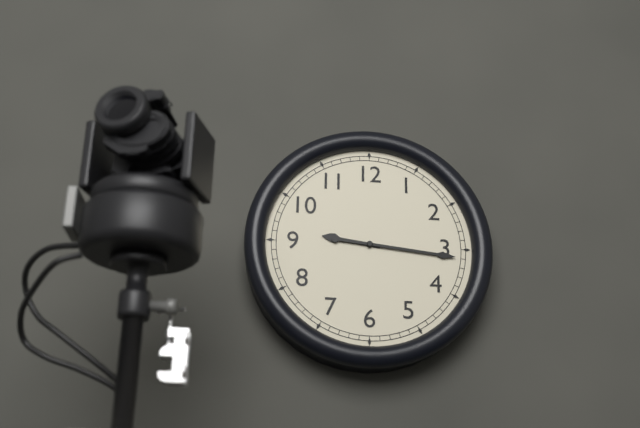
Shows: 9:16
